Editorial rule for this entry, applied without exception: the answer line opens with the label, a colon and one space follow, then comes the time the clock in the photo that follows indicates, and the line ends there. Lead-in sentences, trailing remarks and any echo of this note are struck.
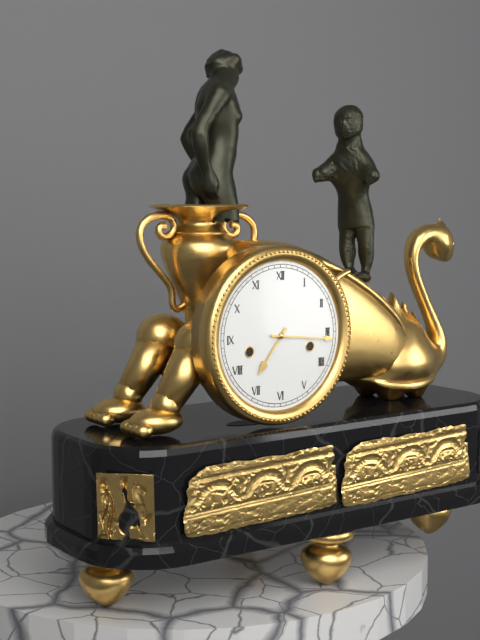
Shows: 7:16
